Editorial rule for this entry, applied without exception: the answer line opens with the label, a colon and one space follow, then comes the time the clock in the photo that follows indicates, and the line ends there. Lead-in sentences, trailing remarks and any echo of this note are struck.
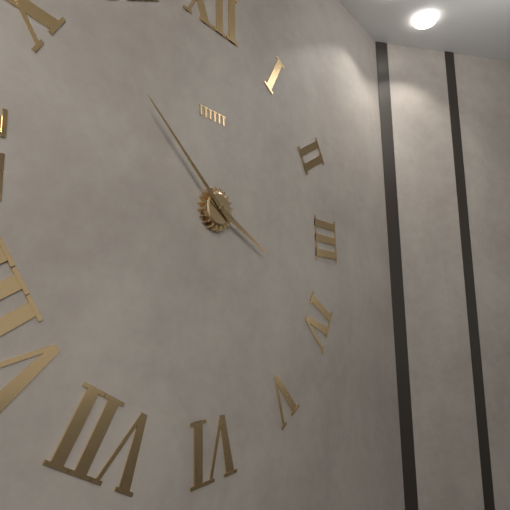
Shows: 3:52
